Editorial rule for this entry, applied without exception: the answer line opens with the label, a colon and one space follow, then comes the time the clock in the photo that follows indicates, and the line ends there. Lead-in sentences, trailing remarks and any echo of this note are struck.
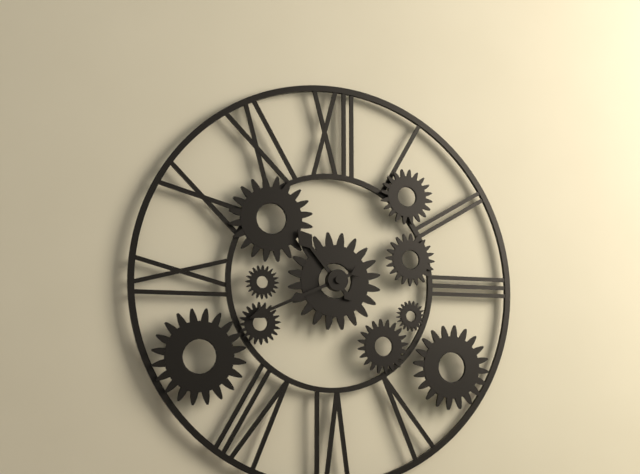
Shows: 10:41
